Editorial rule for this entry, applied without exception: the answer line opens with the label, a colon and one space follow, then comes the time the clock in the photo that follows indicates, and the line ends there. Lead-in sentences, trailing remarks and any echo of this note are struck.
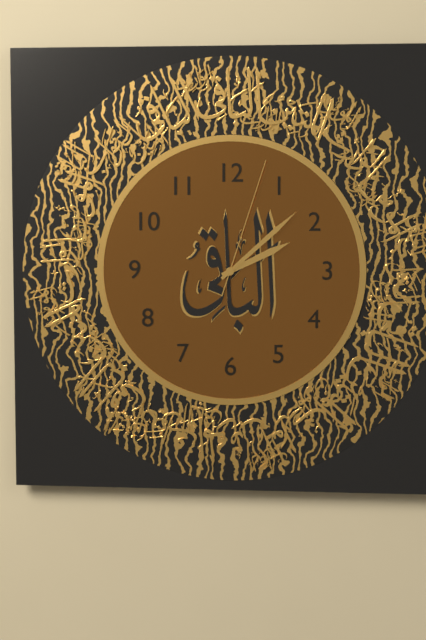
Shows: 2:08:03
